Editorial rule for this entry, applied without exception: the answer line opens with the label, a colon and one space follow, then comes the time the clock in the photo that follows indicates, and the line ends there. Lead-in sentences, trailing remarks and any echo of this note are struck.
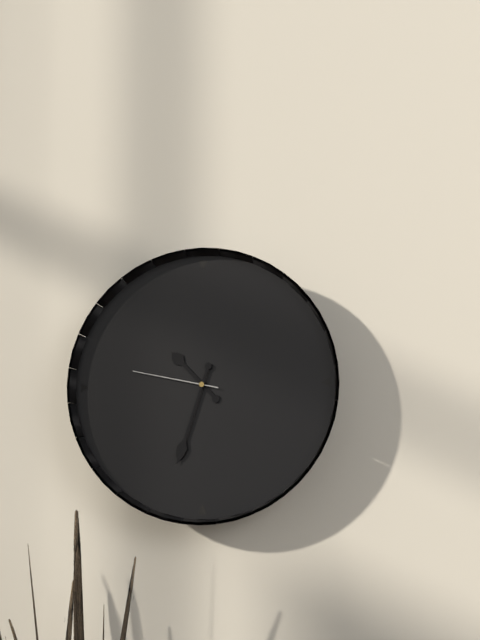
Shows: 10:33:47
